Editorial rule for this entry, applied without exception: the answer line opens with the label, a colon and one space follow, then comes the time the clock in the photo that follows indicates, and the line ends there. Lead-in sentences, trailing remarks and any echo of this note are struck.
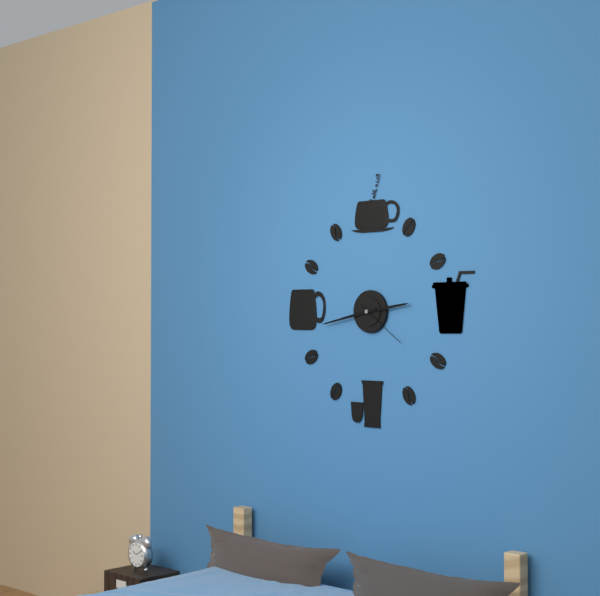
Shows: 2:43:21
